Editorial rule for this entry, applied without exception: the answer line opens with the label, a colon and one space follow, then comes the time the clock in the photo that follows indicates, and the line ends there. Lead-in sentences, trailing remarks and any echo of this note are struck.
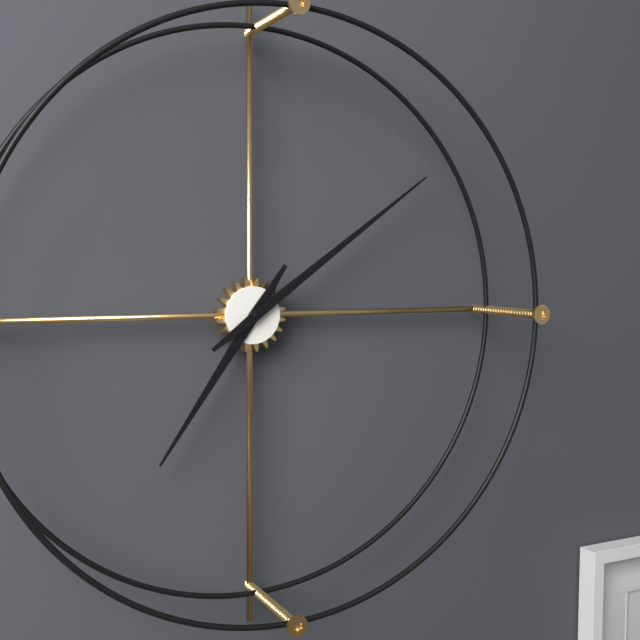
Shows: 7:09
